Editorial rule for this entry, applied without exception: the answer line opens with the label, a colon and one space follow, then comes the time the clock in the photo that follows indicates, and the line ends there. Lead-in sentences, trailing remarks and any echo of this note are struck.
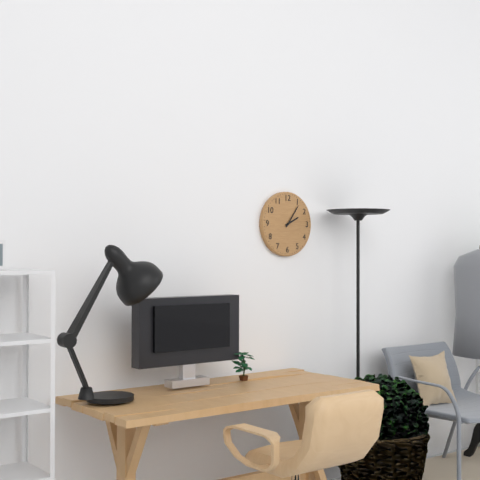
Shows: 2:06
